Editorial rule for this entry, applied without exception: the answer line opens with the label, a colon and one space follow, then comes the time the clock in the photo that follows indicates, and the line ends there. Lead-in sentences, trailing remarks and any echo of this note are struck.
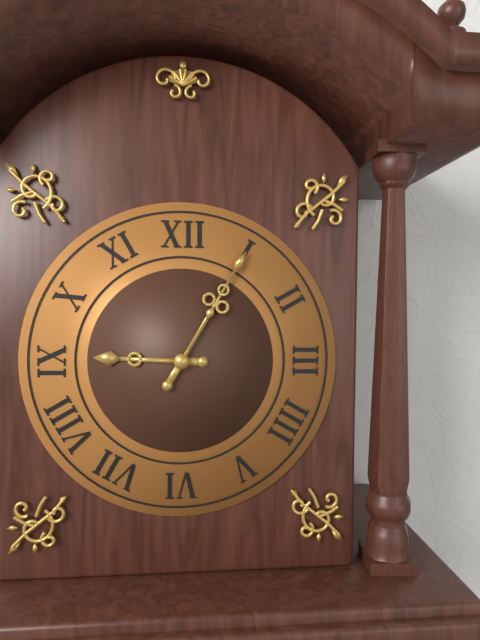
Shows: 9:05
